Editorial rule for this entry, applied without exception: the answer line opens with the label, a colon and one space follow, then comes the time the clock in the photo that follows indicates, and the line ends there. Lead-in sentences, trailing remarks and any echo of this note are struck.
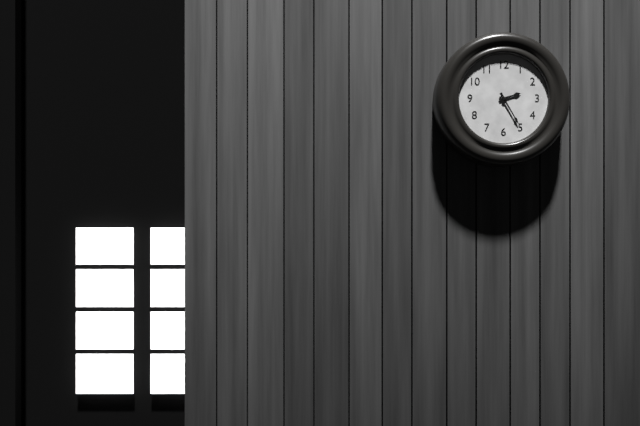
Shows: 2:25
